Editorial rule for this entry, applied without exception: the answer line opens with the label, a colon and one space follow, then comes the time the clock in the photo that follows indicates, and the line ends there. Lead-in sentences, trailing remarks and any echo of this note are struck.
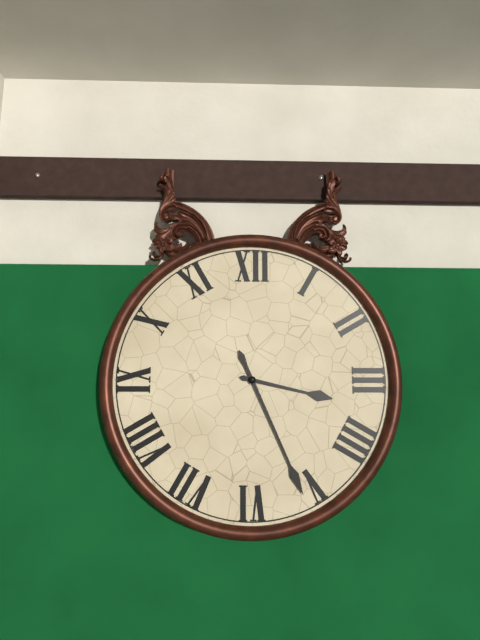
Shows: 3:26
